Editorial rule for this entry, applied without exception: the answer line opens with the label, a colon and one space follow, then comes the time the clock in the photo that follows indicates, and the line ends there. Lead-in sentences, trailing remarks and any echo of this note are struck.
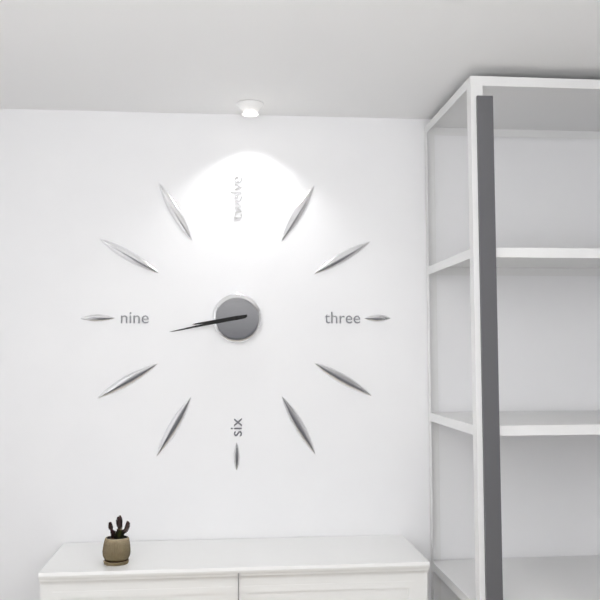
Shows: 8:43
